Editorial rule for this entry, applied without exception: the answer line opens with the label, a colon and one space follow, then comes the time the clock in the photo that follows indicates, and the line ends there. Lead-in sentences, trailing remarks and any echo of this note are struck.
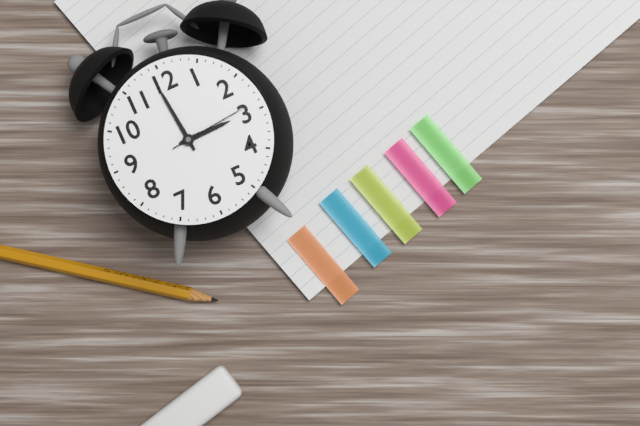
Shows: 2:59:14
